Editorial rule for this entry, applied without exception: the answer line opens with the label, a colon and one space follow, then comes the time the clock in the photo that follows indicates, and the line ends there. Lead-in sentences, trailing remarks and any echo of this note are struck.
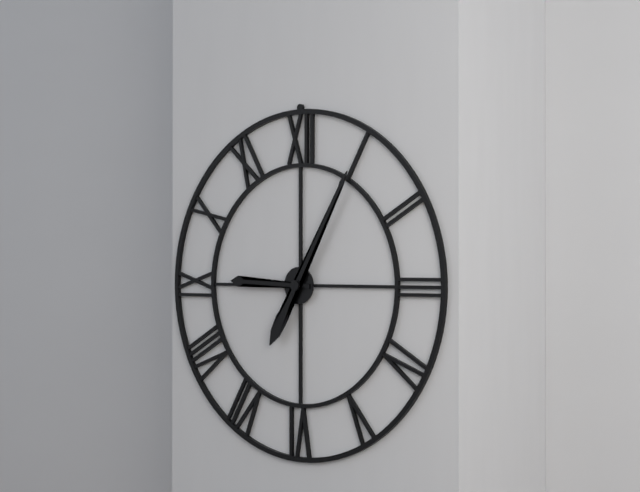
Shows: 9:05
